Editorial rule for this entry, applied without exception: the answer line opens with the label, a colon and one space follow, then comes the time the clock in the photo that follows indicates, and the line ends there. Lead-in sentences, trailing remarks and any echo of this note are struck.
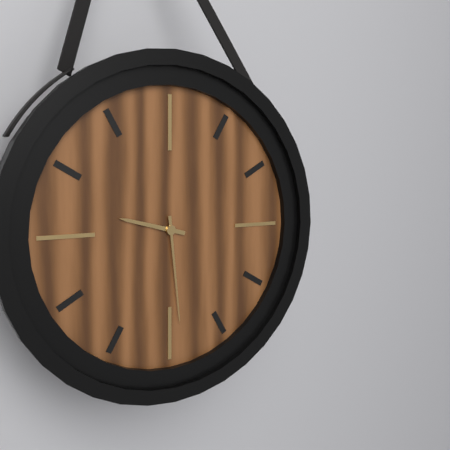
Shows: 9:29
